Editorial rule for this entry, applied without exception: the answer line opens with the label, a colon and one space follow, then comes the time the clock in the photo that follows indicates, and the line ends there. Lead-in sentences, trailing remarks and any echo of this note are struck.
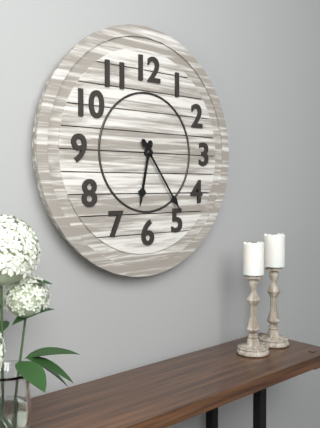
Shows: 6:24
